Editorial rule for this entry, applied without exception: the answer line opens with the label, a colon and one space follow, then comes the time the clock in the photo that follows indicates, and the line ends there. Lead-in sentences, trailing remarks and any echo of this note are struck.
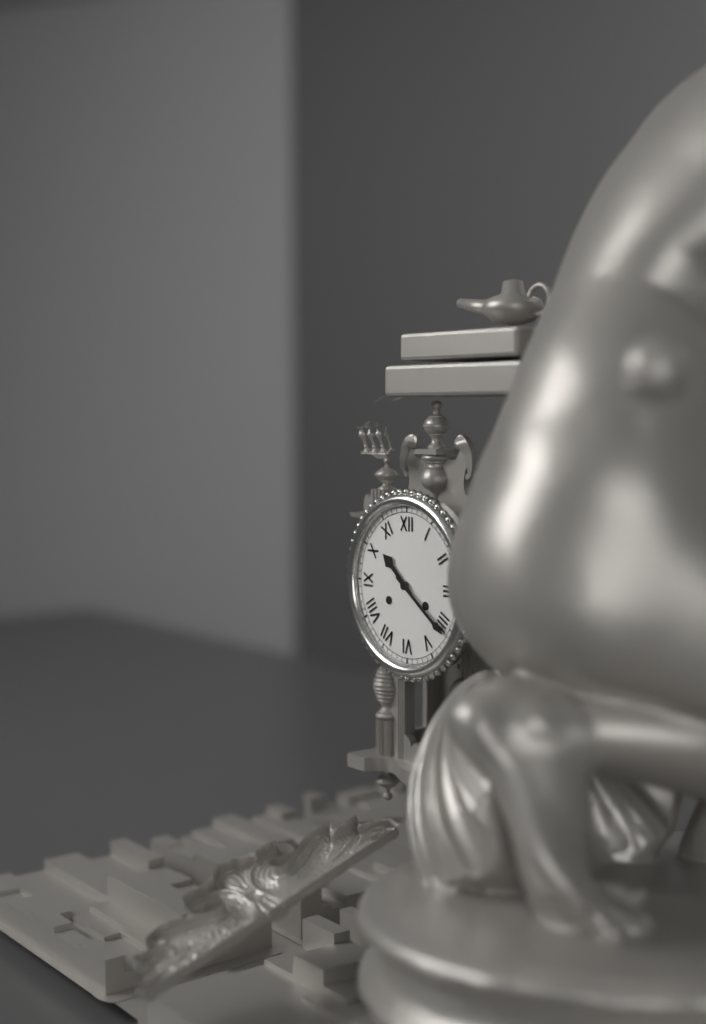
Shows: 10:21
